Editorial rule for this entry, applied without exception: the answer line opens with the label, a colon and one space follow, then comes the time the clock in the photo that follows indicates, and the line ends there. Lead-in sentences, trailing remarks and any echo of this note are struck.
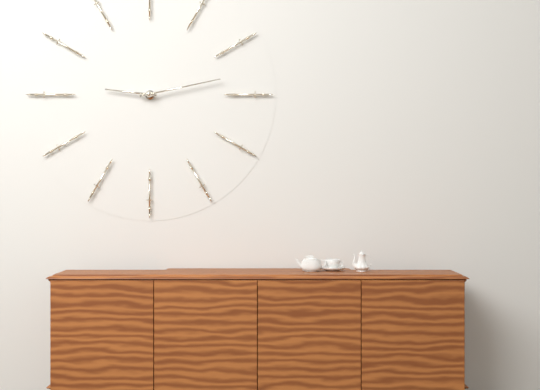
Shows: 9:13
